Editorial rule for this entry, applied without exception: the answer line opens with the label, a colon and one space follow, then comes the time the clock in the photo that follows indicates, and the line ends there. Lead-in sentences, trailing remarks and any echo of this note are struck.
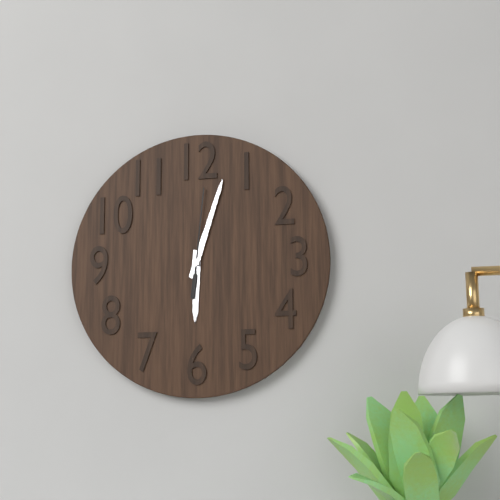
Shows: 6:03:01
